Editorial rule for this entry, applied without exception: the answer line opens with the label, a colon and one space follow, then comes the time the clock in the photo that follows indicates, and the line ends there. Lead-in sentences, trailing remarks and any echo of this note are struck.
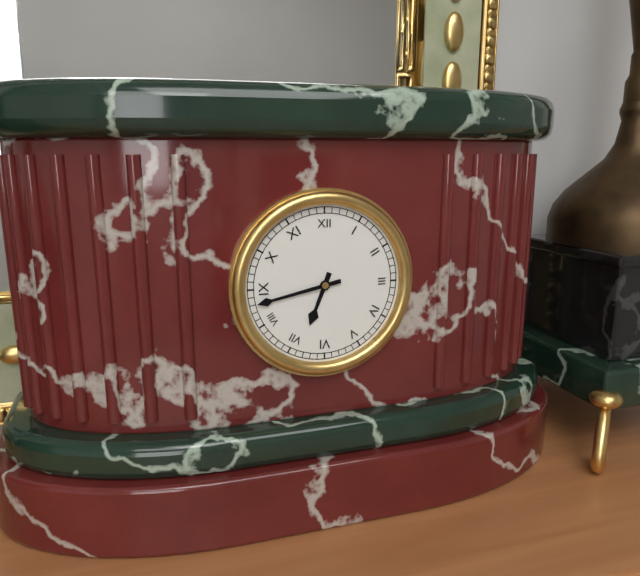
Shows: 6:43
